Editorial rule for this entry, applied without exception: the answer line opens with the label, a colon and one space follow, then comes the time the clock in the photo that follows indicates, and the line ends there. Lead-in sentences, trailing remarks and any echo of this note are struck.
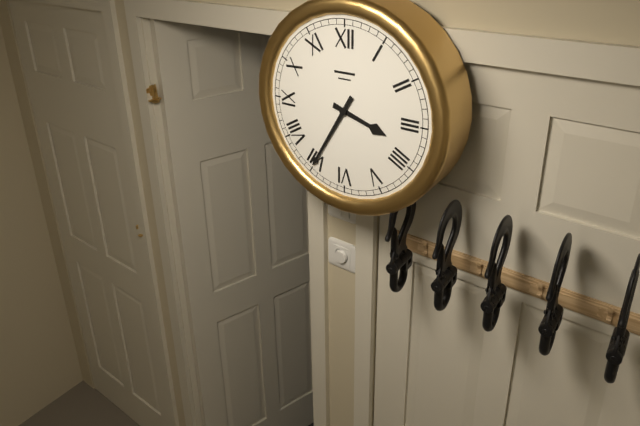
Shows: 3:35
